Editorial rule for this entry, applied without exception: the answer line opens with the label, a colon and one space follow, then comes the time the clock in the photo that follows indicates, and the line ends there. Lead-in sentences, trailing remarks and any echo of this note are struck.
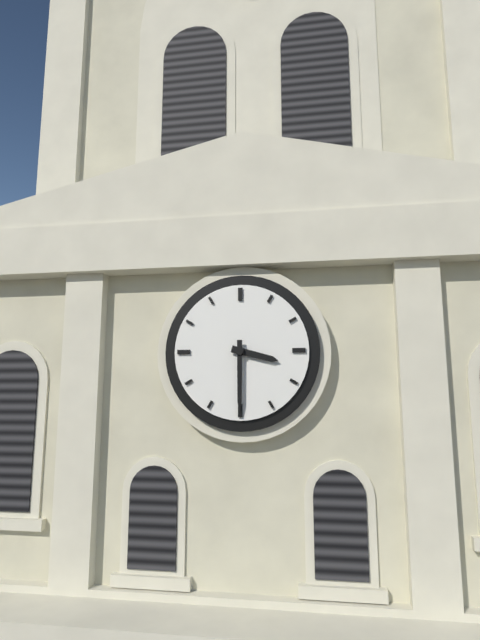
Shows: 3:30
